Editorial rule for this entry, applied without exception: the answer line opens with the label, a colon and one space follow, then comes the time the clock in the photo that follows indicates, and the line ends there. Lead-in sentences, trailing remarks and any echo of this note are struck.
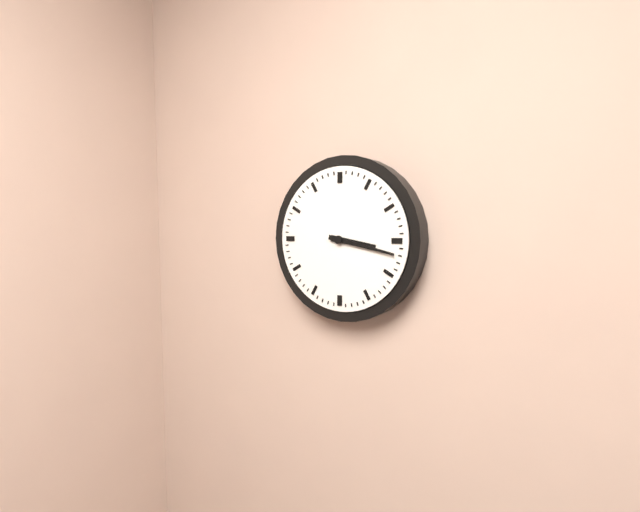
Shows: 3:17
